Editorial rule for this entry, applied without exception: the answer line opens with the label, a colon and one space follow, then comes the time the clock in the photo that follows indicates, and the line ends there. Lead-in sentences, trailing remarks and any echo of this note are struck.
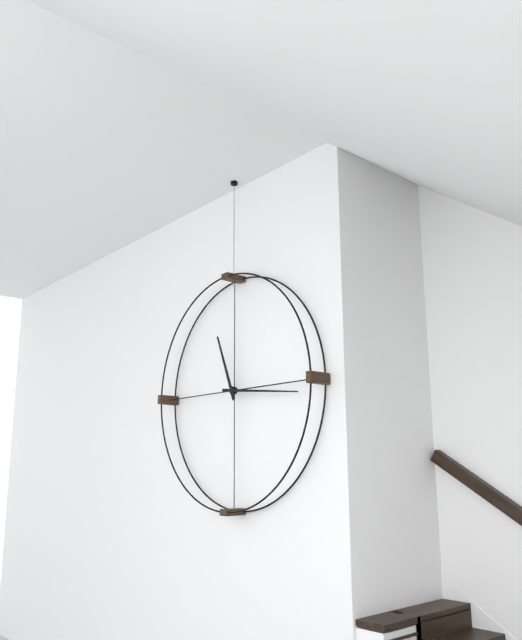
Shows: 11:16
